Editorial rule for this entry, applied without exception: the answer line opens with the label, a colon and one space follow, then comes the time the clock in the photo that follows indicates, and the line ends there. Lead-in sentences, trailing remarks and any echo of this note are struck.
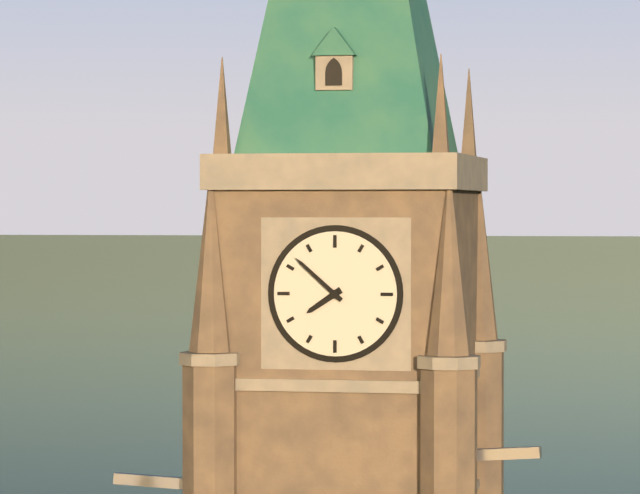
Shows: 7:52
